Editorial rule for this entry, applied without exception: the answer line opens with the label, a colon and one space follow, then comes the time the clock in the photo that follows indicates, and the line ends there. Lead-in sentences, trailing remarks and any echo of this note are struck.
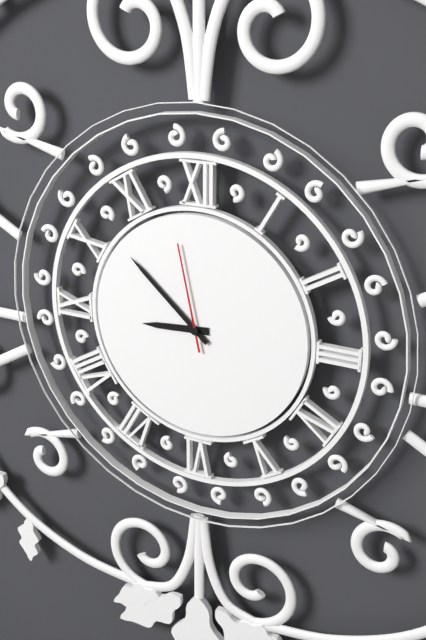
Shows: 8:52:58
